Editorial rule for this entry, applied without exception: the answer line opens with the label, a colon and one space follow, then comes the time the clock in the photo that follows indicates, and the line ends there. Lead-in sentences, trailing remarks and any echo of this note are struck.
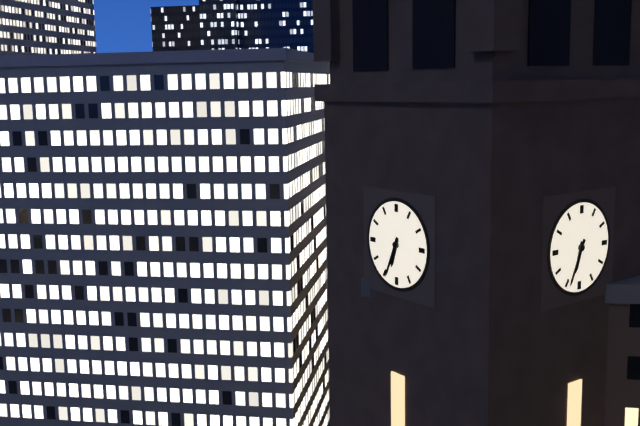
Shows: 6:34
